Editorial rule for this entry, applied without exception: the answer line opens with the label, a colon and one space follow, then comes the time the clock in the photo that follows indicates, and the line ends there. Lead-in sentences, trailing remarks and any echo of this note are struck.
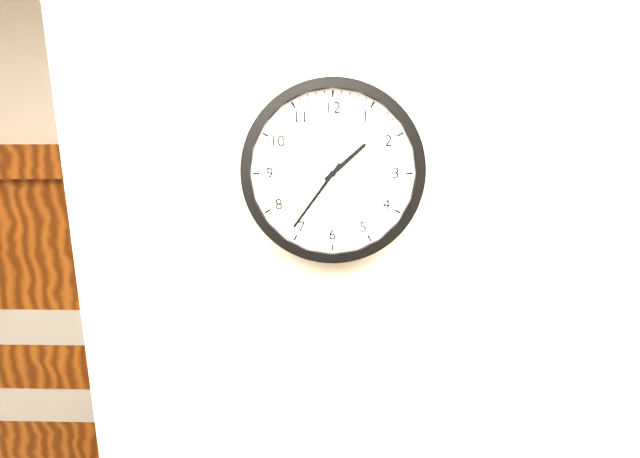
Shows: 1:36
